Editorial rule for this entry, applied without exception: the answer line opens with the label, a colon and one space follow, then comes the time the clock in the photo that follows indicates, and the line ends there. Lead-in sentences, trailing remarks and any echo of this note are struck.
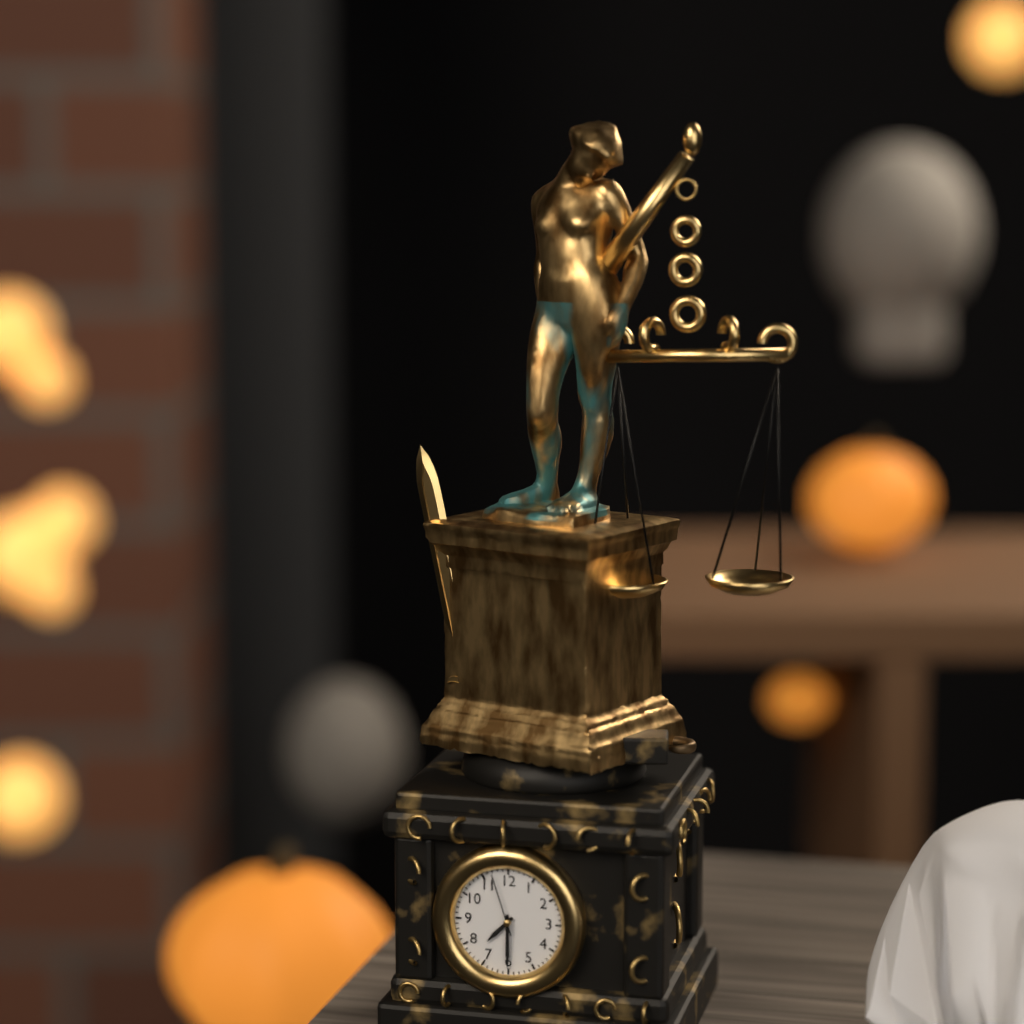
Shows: 7:30:57
